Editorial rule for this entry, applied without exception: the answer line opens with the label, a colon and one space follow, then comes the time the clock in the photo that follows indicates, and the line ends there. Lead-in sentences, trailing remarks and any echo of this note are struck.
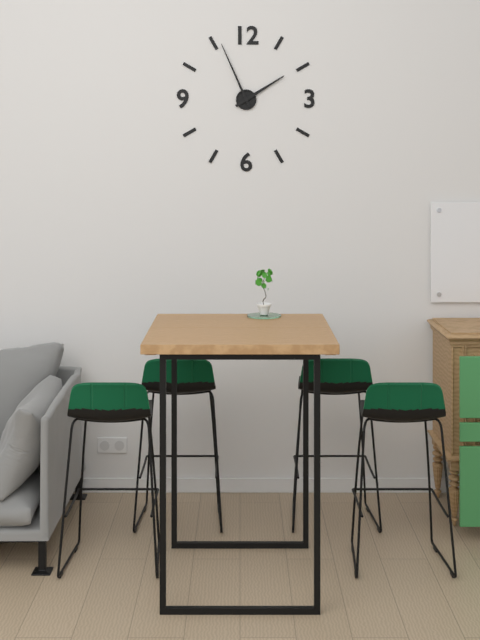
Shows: 1:56
